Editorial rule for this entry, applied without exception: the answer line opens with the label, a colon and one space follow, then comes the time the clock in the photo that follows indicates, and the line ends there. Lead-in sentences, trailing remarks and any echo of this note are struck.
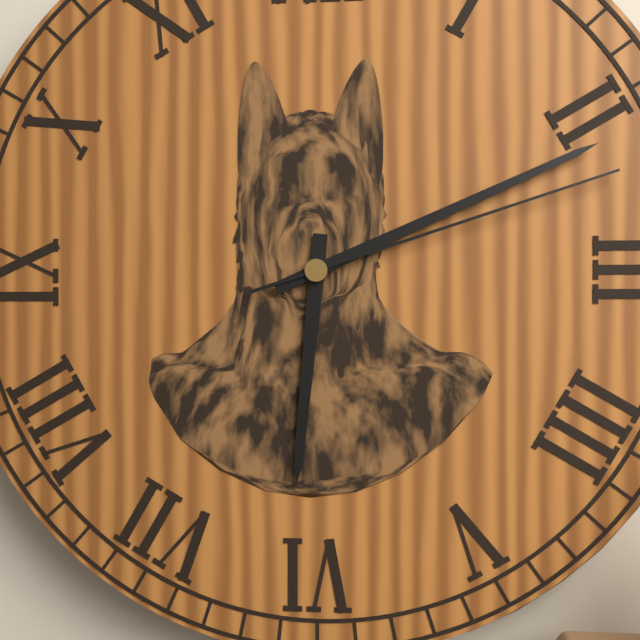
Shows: 6:11:12
